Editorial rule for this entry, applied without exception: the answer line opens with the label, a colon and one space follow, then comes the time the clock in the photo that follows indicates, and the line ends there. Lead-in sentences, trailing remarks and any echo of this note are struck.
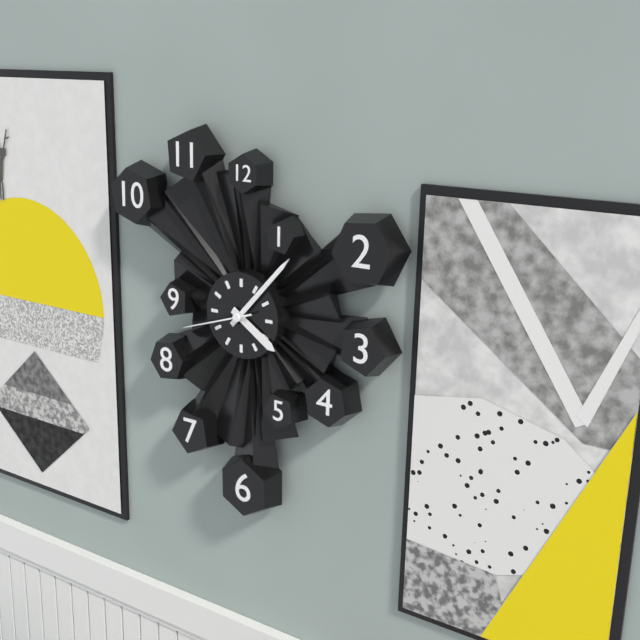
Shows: 4:07:42
